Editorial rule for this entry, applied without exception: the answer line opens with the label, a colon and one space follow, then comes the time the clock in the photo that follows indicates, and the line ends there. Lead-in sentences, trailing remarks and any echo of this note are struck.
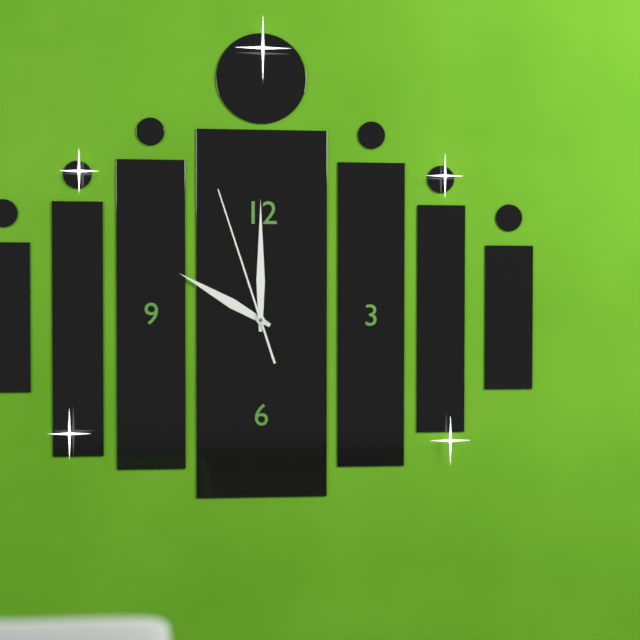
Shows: 10:00:57
